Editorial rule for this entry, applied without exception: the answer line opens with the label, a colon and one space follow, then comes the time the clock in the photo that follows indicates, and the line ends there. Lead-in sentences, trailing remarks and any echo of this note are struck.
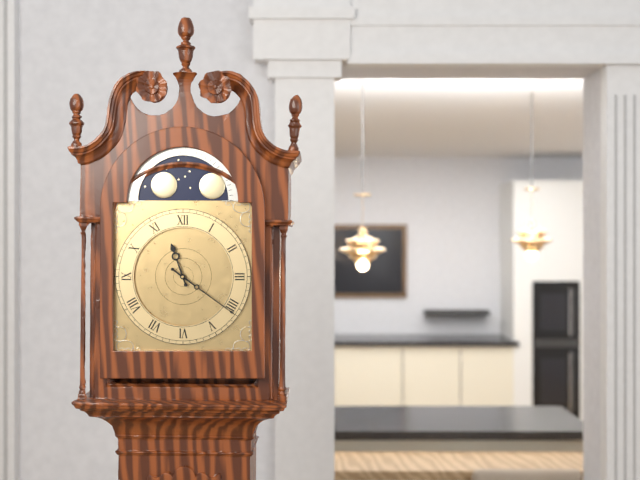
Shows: 11:21
